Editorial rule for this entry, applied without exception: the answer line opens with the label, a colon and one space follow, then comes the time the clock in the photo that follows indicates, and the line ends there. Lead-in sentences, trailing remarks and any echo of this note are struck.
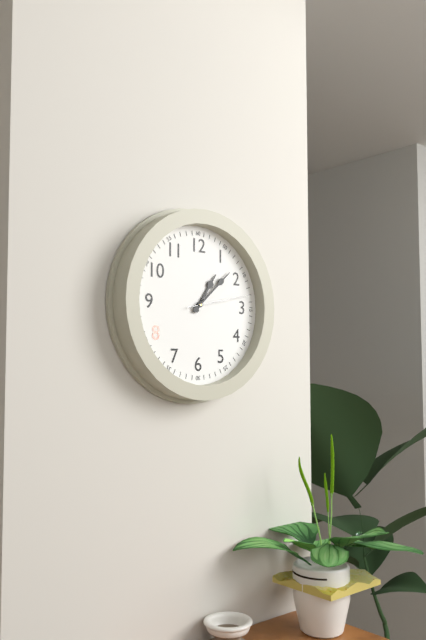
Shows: 1:08:13
